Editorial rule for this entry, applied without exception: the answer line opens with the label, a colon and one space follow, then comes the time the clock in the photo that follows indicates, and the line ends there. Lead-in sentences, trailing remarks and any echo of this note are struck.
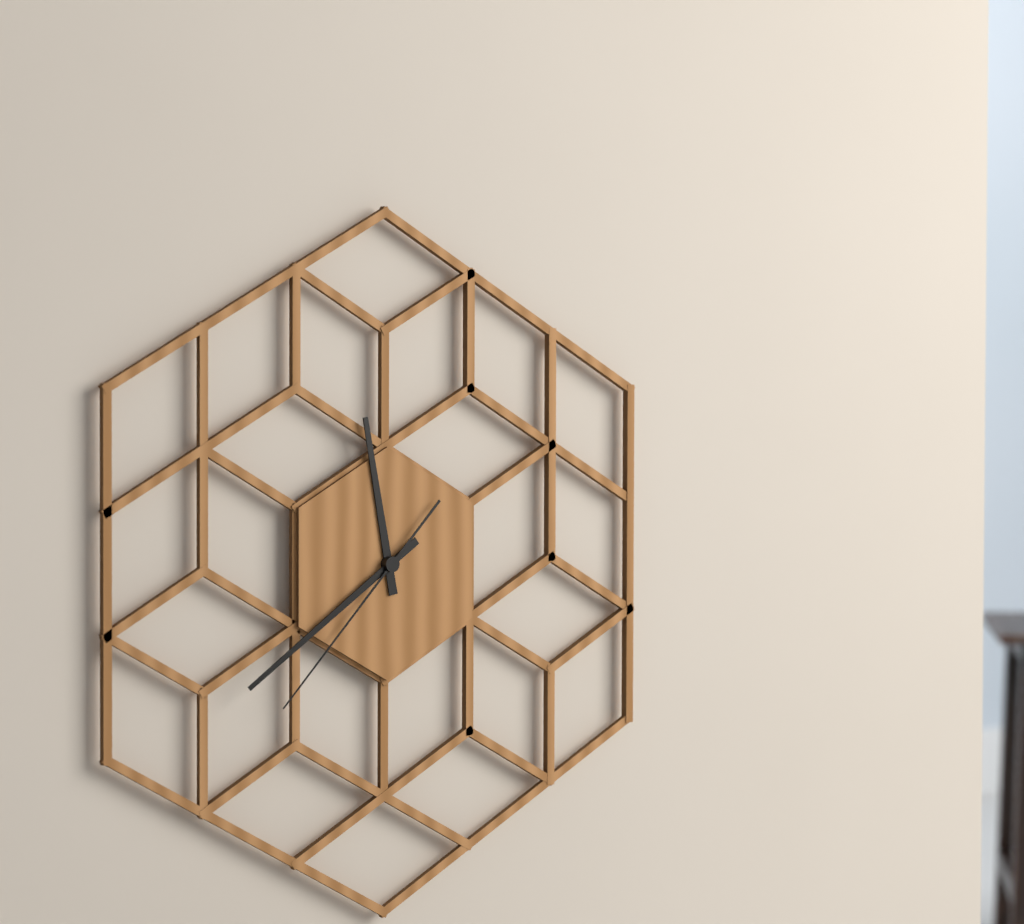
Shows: 11:39:37
